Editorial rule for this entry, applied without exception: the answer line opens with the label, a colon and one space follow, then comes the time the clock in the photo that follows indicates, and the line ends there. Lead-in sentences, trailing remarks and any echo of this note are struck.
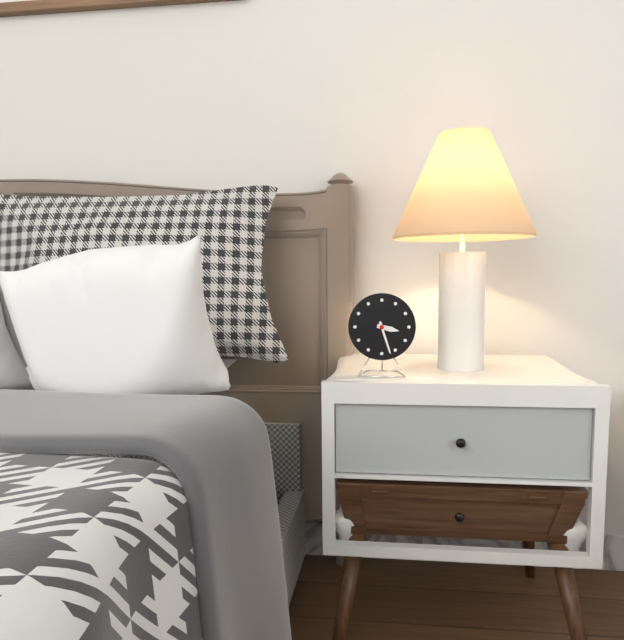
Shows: 3:27
